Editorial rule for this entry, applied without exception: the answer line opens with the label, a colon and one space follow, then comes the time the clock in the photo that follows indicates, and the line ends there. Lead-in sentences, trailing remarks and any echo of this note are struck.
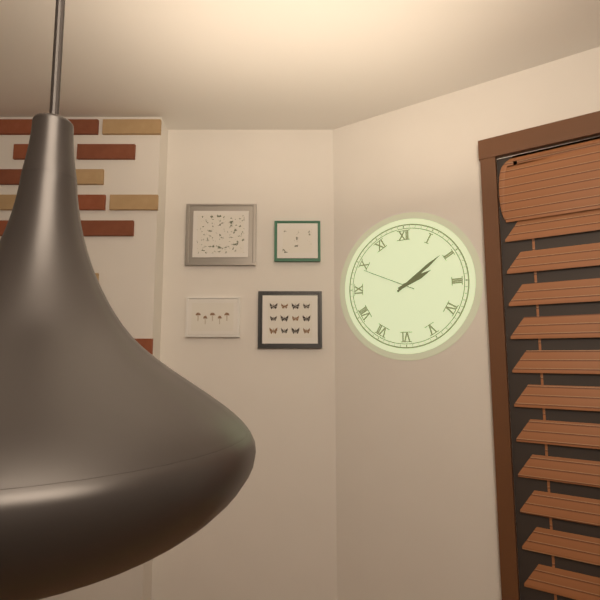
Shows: 2:09:49
